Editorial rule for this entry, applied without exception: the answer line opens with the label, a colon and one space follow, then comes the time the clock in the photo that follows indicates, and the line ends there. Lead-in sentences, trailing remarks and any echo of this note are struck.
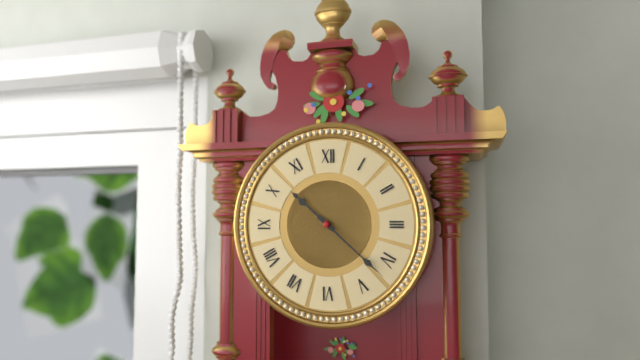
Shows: 10:22
